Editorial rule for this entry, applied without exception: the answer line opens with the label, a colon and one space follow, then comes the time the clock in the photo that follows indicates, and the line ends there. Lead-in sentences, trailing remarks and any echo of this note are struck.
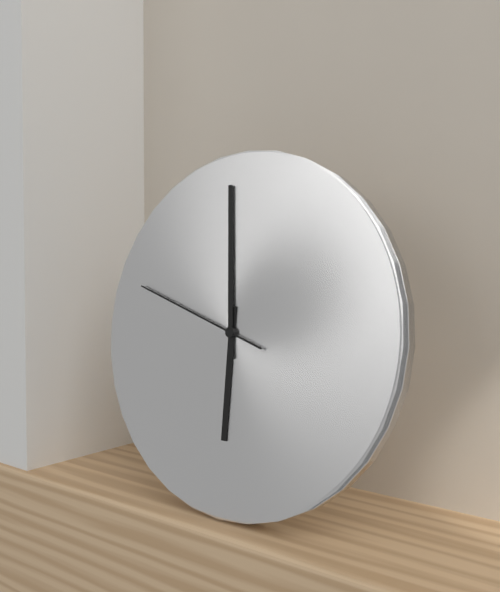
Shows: 5:59:48
